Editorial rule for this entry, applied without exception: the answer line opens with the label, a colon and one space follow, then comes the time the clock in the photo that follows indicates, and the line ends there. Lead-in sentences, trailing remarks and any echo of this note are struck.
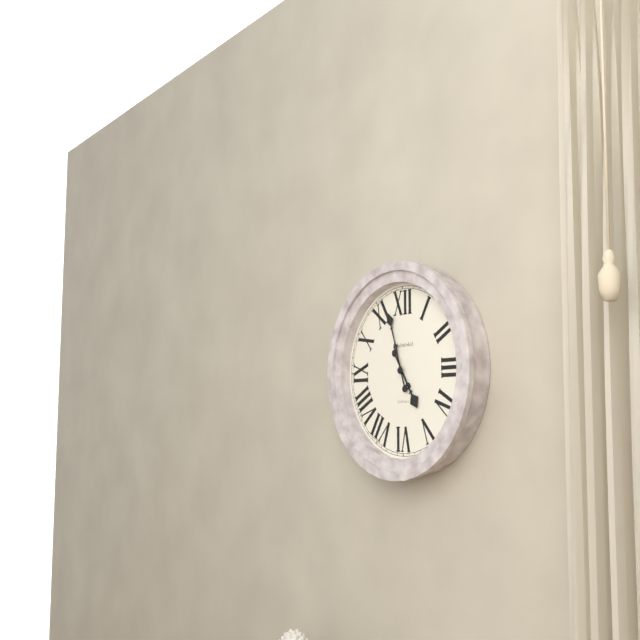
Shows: 4:57
